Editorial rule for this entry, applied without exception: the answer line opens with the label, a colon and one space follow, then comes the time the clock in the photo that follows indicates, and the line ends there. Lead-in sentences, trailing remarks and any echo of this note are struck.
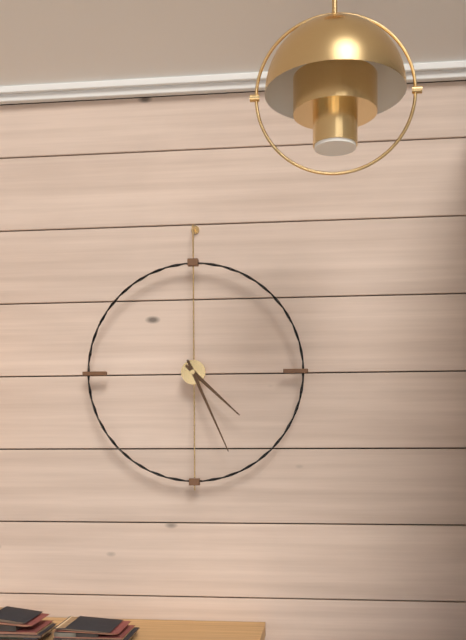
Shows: 4:26
